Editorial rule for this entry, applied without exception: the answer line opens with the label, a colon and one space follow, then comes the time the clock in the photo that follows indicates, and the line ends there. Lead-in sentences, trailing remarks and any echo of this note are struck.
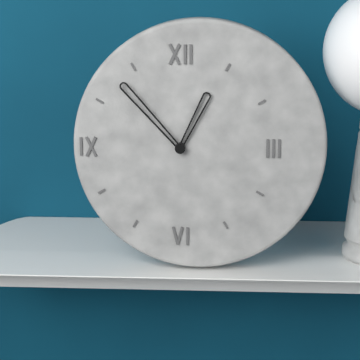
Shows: 12:53
